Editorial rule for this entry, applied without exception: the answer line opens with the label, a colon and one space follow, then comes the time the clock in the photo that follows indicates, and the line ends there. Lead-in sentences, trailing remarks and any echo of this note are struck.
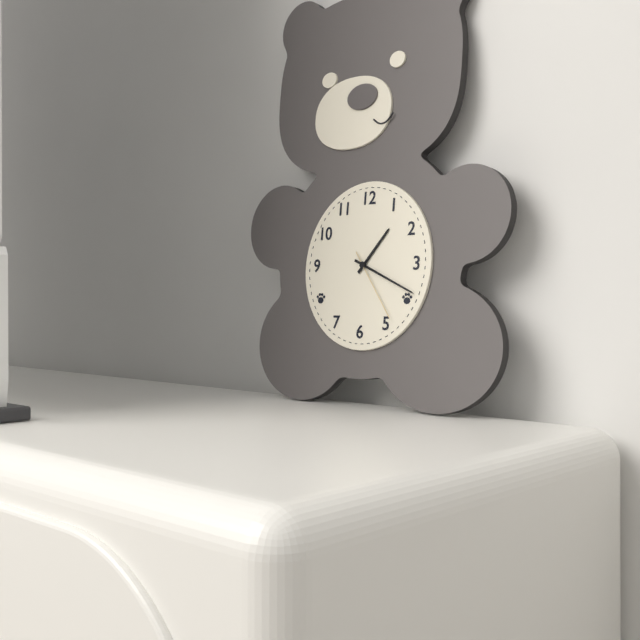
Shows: 1:19:24
